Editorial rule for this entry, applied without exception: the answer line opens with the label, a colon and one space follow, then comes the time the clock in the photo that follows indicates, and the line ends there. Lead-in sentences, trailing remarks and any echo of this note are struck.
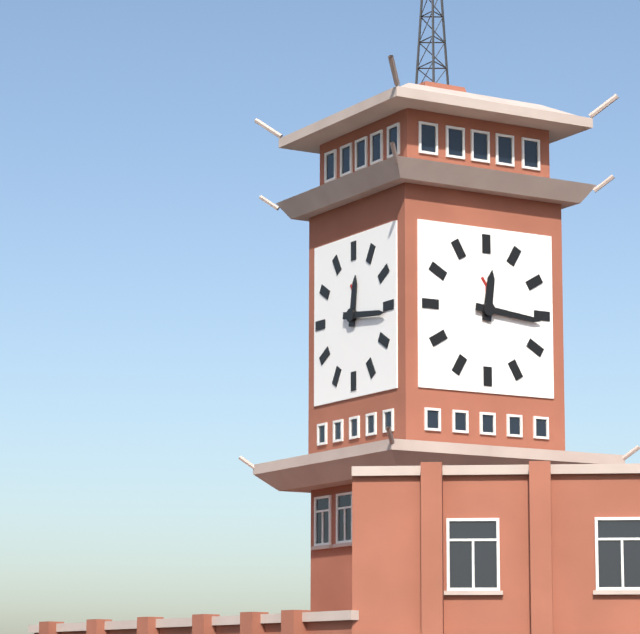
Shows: 12:16
